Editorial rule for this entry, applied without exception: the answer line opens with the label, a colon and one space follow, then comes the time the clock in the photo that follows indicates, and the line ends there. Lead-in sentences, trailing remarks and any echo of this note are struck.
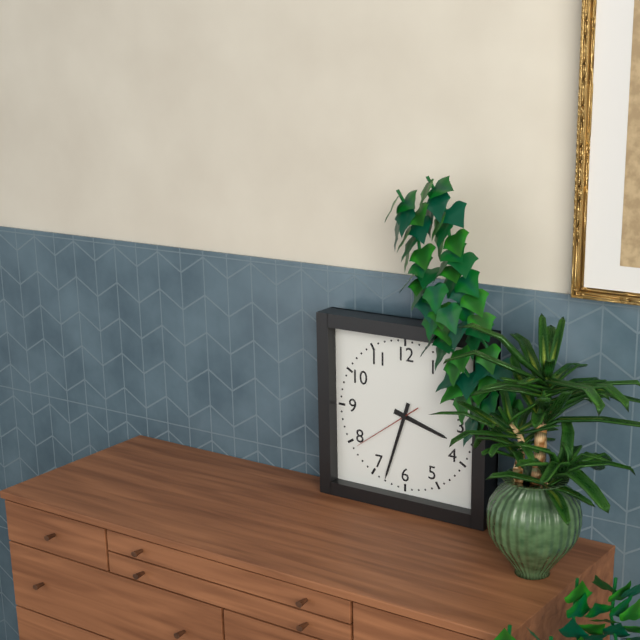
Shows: 3:33:39
